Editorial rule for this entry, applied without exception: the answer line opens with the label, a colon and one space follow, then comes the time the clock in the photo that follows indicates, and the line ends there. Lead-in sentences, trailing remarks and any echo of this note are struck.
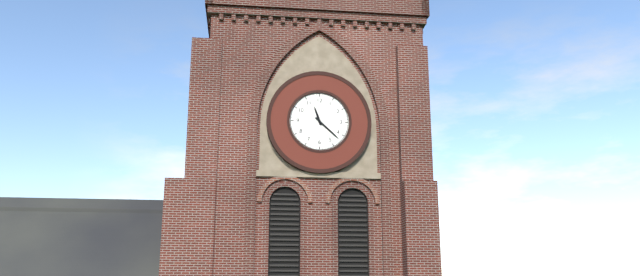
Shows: 11:22
